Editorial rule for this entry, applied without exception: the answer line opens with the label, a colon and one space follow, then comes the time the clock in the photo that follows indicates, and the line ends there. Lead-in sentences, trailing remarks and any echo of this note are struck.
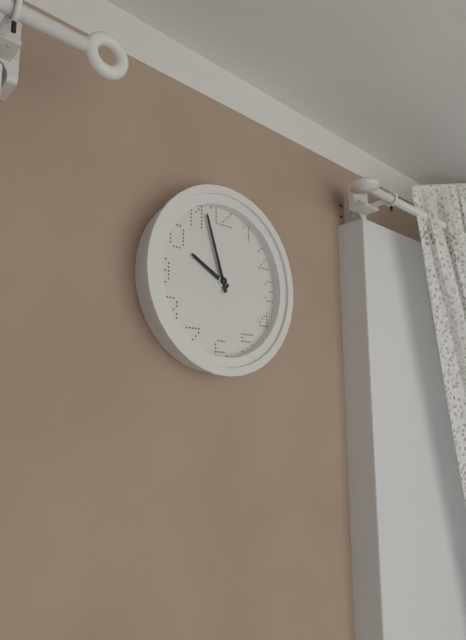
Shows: 9:57
